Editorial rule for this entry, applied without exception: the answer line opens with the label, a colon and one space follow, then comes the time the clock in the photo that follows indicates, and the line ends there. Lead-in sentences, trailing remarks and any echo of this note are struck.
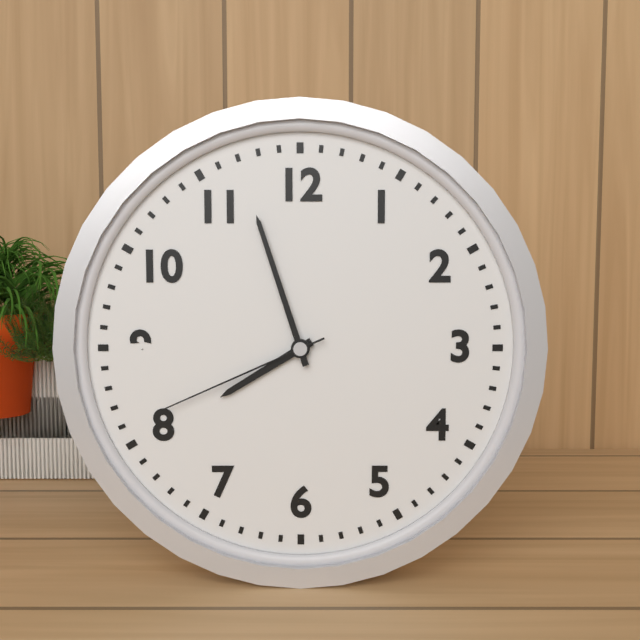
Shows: 7:57:41
